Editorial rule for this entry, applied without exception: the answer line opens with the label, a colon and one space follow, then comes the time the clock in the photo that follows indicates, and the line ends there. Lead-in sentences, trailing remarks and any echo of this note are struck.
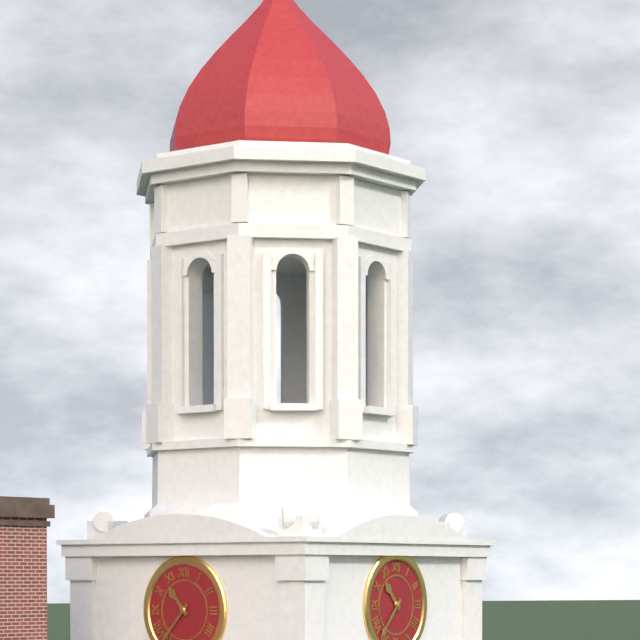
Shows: 10:37
